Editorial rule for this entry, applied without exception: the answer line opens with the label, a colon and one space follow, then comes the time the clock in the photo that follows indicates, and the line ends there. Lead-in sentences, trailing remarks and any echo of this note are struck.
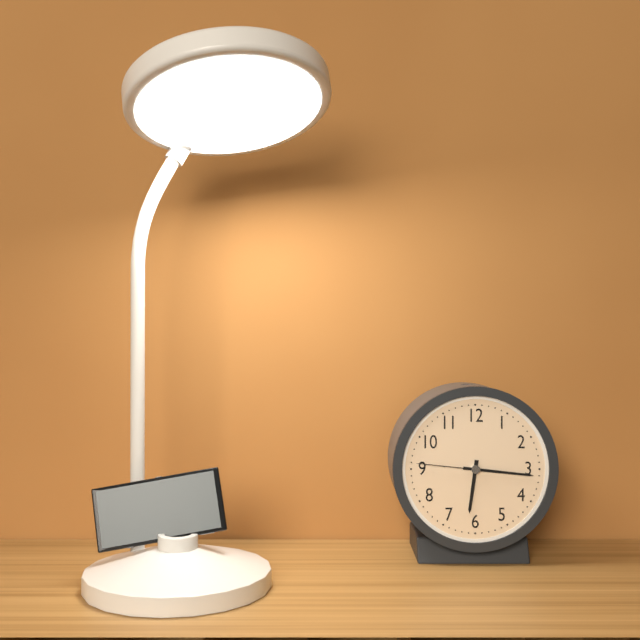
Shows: 6:16:46
